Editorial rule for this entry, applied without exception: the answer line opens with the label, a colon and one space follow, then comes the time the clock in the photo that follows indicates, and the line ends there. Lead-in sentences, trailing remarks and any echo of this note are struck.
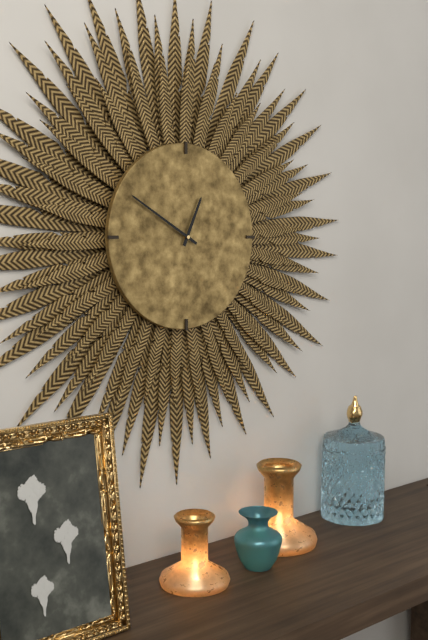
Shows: 12:50
